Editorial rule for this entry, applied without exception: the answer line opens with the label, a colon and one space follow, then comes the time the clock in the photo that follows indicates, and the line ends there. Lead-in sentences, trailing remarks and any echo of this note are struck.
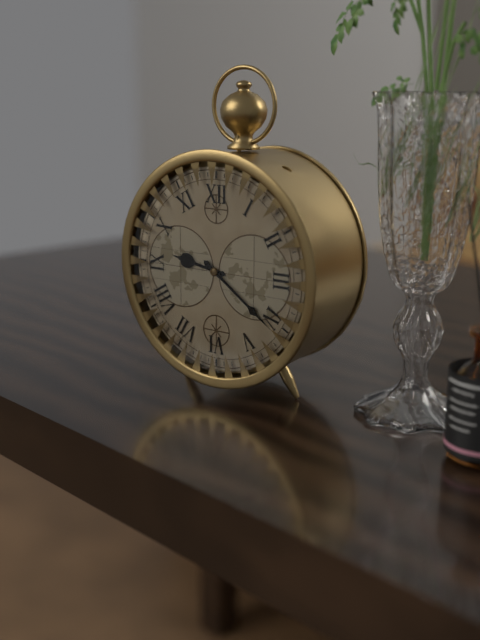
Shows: 9:21
